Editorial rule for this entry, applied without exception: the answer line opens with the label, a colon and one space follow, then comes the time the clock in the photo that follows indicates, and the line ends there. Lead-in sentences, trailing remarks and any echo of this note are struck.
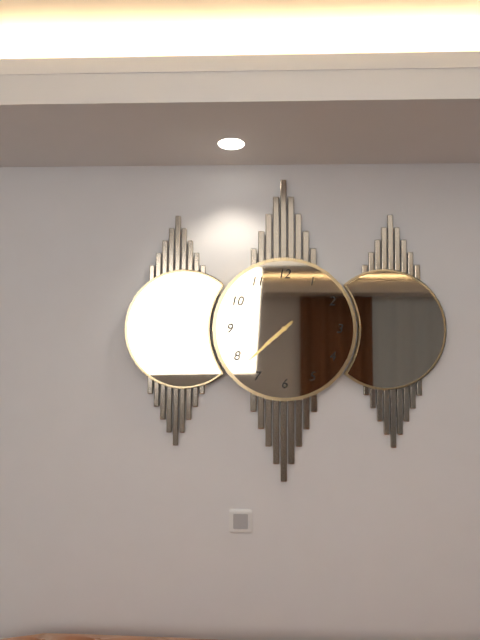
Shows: 7:38
